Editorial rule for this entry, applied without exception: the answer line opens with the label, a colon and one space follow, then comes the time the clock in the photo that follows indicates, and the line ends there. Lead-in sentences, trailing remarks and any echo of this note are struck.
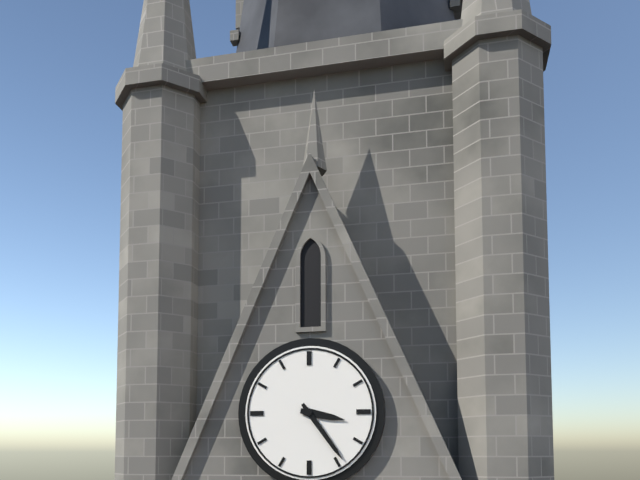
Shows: 3:24
